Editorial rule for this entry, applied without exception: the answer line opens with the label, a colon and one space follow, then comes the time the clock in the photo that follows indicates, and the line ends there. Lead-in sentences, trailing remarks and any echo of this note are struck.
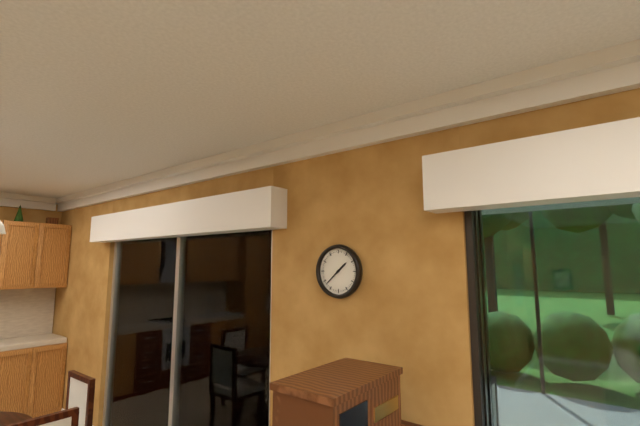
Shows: 1:38
